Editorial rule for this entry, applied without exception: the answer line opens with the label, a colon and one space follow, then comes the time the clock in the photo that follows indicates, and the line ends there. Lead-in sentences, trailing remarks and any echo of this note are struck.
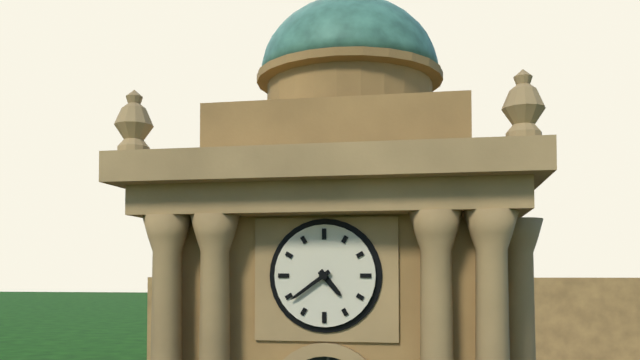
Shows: 4:39
